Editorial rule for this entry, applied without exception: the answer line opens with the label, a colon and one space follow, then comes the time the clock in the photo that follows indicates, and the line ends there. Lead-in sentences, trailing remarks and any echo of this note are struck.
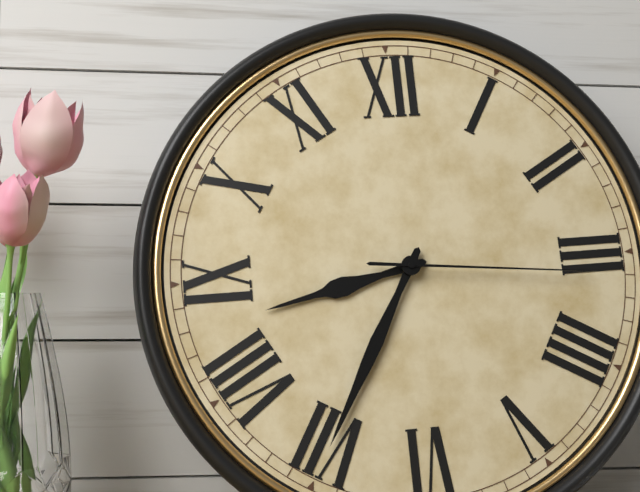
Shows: 8:35:16
